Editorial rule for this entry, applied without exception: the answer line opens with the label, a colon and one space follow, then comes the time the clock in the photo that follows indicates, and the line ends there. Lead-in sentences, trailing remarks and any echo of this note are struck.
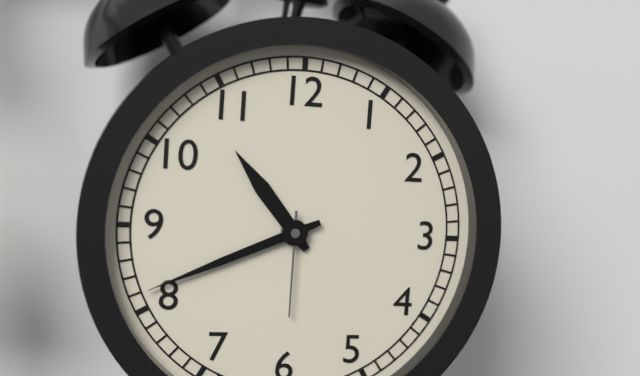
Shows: 10:41:30
